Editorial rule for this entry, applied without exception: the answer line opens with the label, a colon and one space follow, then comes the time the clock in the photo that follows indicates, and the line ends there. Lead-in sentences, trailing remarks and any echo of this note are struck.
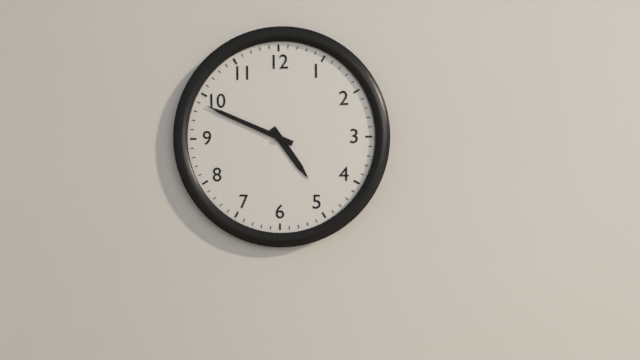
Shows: 4:49
